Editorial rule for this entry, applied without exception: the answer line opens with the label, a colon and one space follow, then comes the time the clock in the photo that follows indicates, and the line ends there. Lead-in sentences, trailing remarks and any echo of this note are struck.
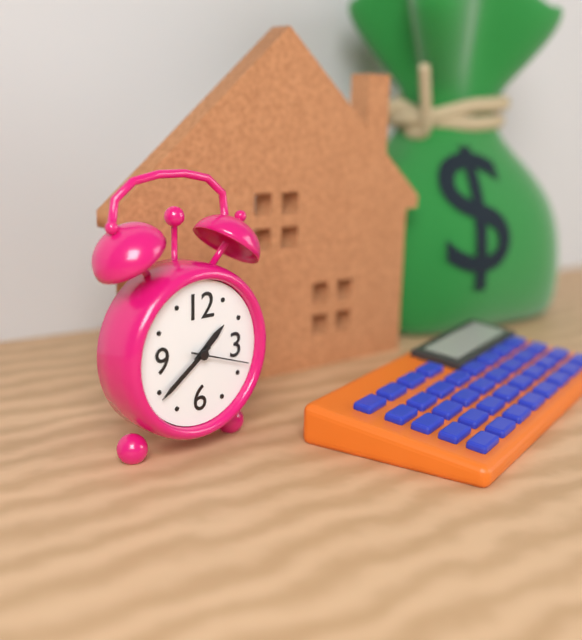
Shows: 1:39:18
